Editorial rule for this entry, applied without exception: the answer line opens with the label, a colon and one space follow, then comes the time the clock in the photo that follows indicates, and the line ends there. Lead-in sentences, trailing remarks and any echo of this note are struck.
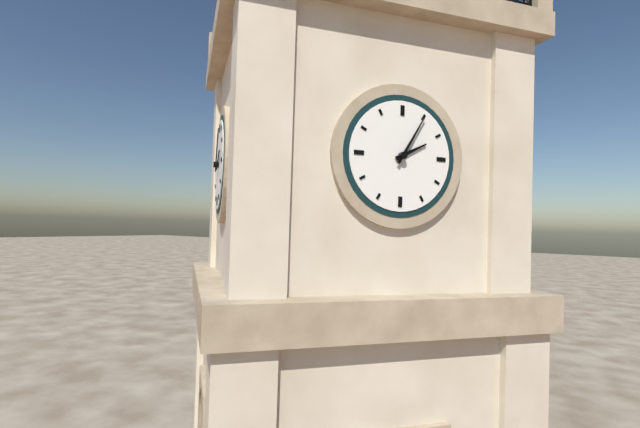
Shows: 2:05
